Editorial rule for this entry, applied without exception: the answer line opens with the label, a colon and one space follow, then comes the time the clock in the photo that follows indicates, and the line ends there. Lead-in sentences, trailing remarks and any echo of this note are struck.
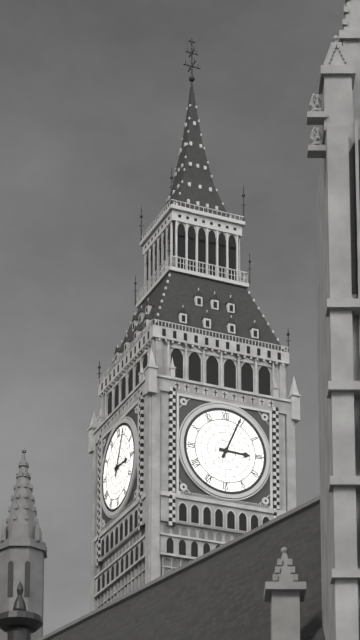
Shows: 3:04
